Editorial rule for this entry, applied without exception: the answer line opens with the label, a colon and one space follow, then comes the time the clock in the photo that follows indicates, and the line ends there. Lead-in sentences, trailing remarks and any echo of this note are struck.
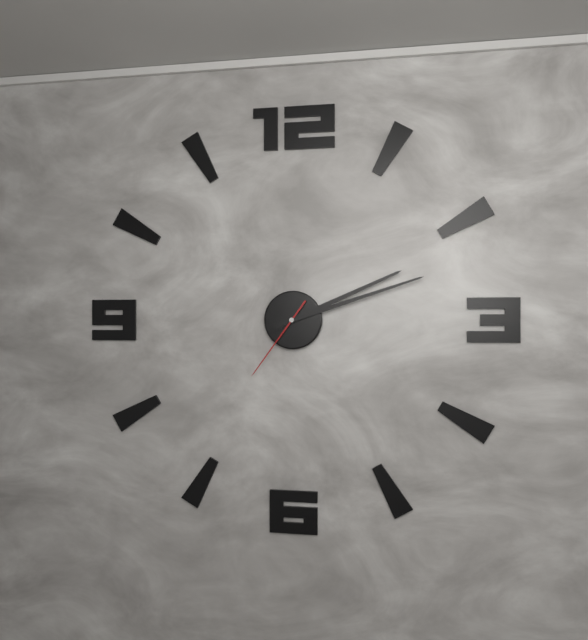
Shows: 2:12:36
